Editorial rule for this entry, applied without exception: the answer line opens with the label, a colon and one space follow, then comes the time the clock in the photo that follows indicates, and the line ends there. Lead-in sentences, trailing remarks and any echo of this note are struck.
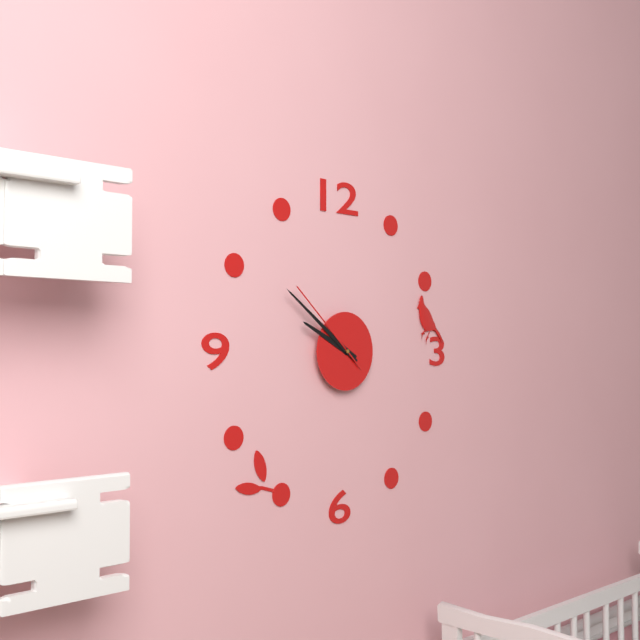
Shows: 9:51:52
